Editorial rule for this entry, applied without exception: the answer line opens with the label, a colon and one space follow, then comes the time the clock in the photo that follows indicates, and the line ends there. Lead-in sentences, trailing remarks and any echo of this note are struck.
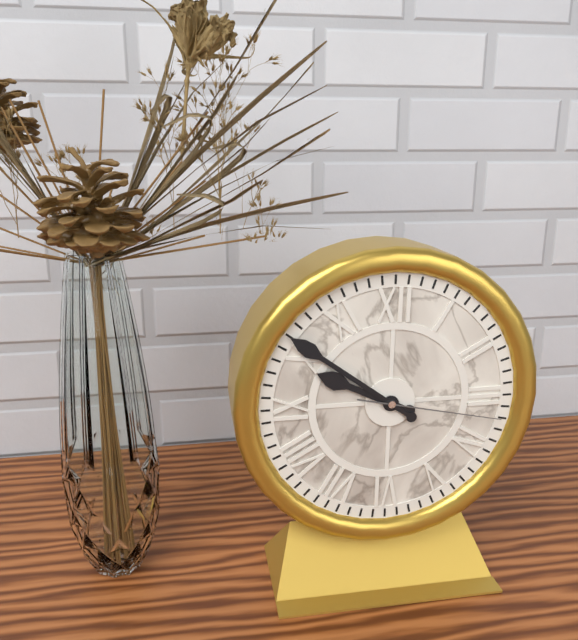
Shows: 9:51:17
